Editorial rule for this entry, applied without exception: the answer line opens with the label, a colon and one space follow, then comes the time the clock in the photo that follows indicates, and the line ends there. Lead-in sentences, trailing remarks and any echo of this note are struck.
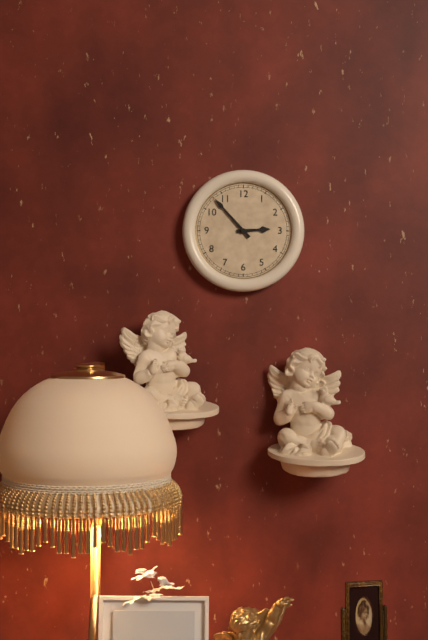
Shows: 2:53
